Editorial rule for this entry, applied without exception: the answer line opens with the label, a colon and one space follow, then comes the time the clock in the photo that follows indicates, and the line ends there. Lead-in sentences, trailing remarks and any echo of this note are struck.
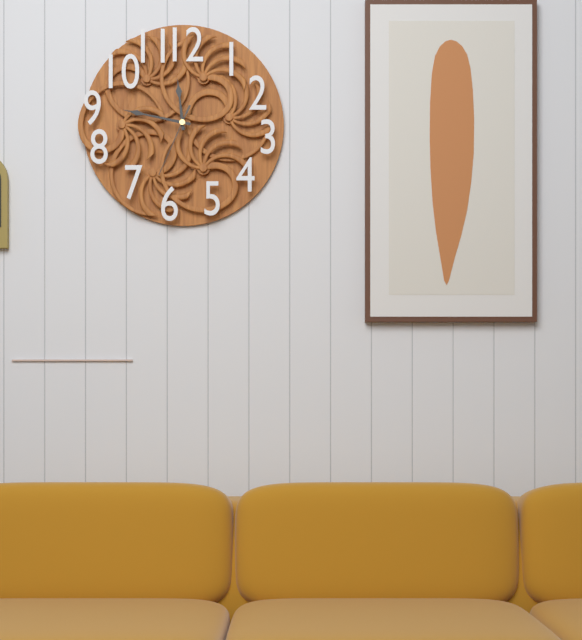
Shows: 11:47:34
